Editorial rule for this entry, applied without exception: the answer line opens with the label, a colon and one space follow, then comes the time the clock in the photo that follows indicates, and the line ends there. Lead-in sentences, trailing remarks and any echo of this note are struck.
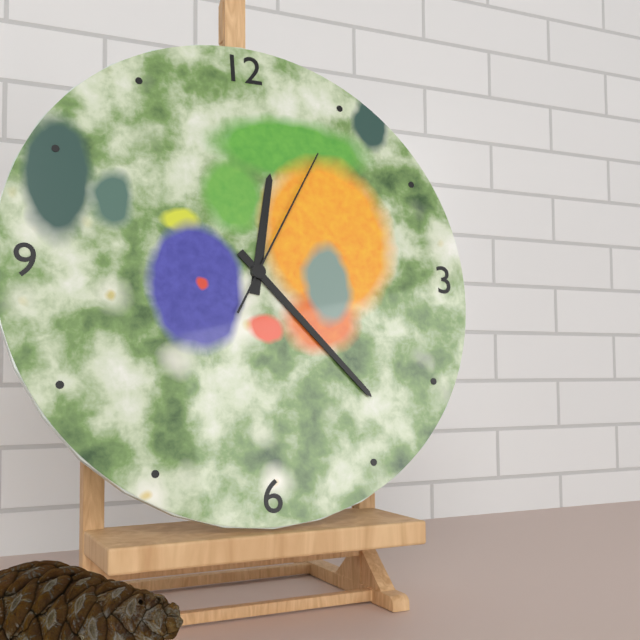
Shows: 12:23:05
